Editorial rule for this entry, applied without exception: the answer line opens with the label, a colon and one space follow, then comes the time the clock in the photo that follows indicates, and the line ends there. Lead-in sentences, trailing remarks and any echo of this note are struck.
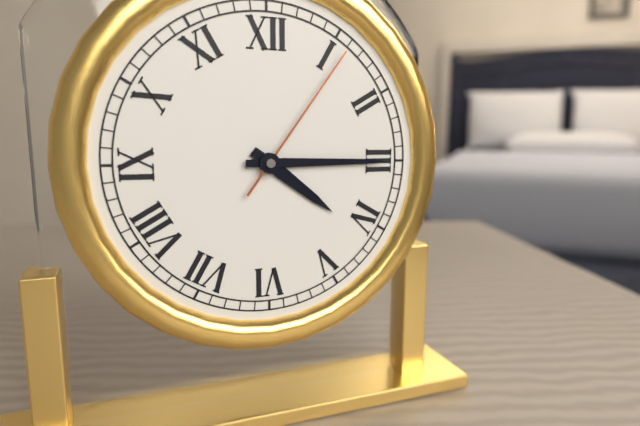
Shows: 4:15:06
